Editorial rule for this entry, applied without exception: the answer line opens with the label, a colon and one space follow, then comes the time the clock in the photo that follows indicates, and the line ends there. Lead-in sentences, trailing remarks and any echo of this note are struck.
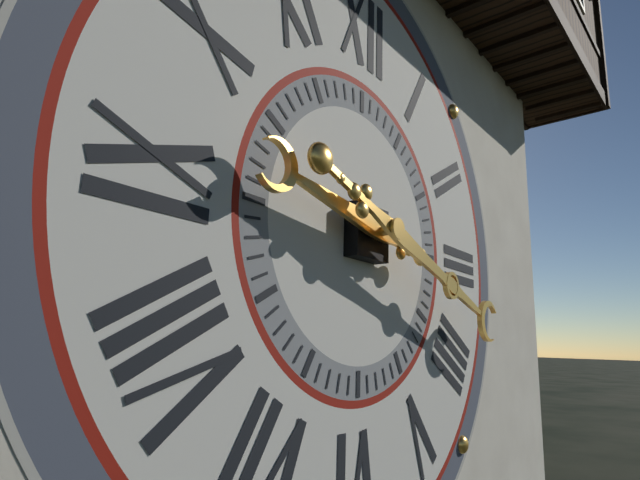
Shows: 9:18
